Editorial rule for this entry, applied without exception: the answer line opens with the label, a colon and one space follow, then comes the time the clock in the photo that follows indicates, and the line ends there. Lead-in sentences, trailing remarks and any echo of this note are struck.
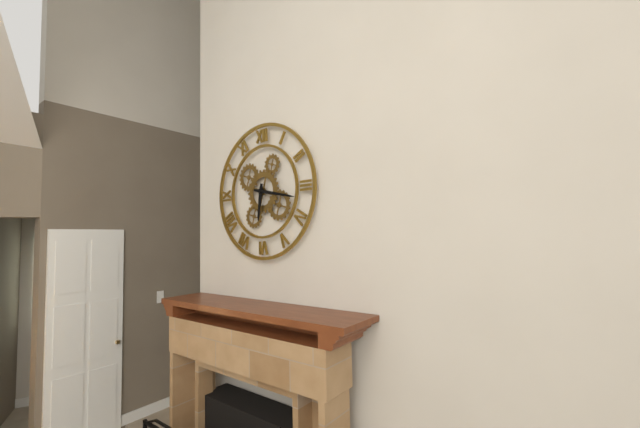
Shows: 6:17
